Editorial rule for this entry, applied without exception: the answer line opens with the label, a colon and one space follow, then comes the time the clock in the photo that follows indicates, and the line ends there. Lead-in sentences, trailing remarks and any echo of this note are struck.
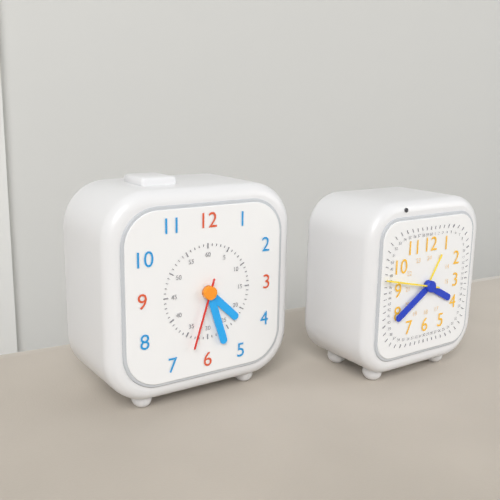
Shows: 4:27:33
